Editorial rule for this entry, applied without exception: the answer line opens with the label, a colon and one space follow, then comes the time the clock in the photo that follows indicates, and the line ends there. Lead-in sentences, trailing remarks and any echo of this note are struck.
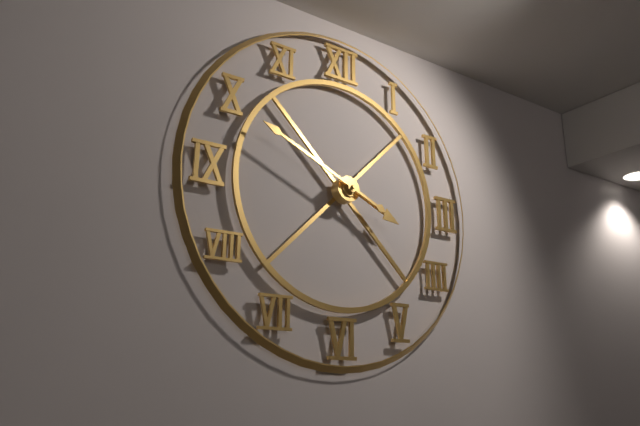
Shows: 3:49
